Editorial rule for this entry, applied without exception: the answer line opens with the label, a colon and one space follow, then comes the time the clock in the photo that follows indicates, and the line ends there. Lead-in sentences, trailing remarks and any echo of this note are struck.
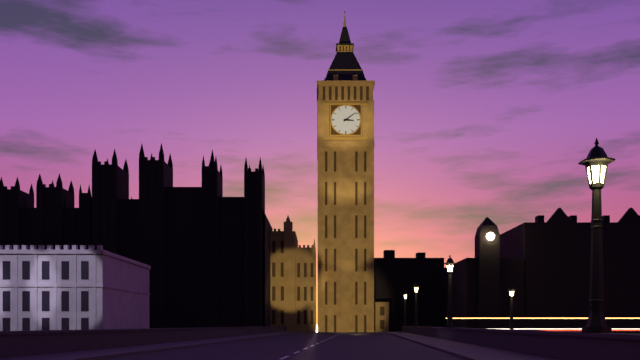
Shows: 3:09
